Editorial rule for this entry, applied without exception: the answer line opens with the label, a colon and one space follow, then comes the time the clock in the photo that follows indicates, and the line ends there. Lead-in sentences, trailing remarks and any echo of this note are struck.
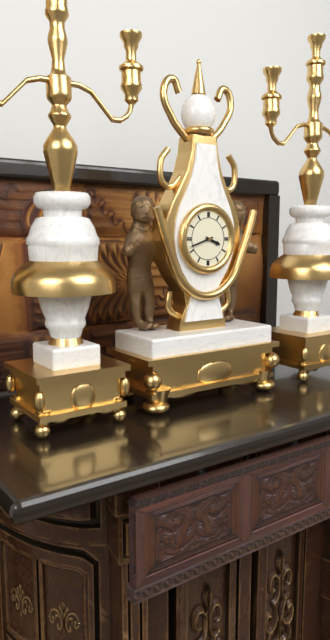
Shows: 3:42
